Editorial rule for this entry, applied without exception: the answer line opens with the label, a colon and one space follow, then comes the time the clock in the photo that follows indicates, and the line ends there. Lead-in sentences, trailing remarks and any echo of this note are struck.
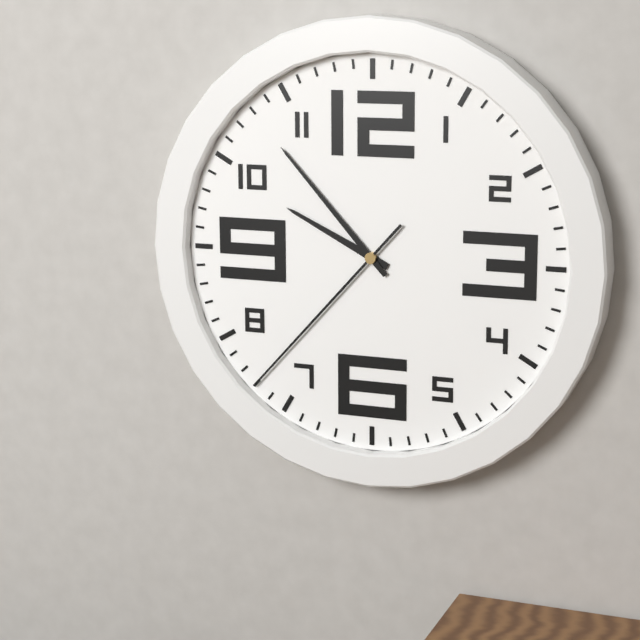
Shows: 9:53:37
